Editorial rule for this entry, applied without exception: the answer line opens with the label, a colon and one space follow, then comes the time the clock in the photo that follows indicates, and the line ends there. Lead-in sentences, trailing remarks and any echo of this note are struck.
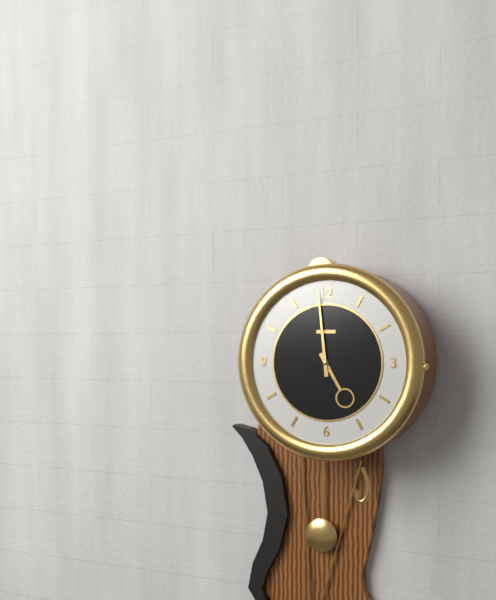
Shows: 4:59
